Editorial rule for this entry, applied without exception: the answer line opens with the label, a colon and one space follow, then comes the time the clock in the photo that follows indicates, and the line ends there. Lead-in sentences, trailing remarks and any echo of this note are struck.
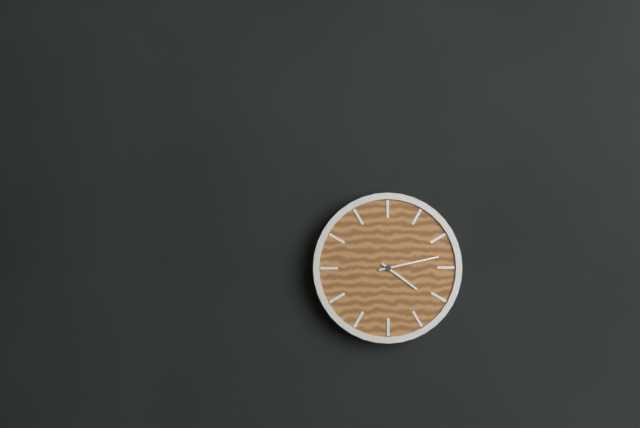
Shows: 4:13
